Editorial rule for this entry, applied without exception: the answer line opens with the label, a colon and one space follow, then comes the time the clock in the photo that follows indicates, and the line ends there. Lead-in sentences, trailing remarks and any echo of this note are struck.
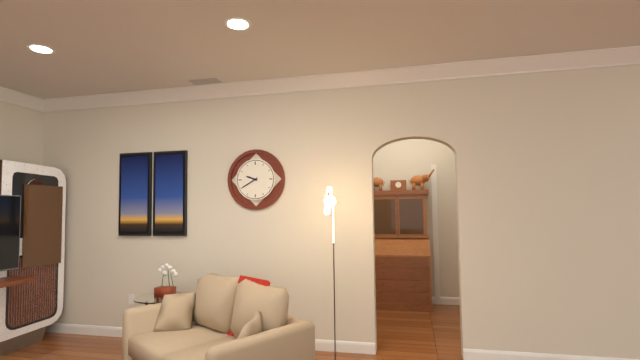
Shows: 9:40
